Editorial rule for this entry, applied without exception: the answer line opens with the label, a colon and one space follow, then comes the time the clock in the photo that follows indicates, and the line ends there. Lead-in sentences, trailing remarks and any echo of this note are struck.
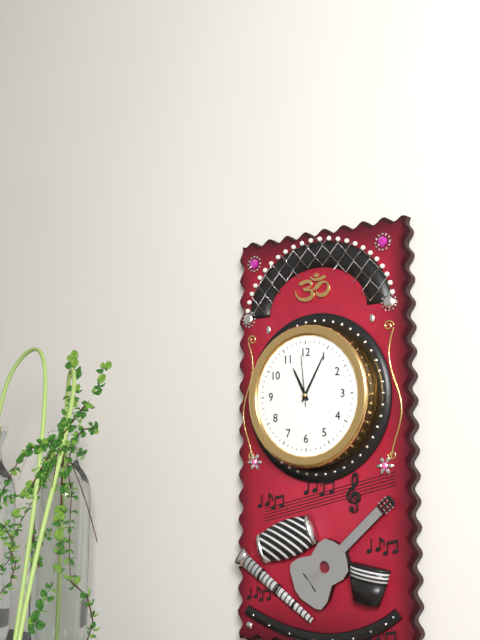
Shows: 11:05:59
